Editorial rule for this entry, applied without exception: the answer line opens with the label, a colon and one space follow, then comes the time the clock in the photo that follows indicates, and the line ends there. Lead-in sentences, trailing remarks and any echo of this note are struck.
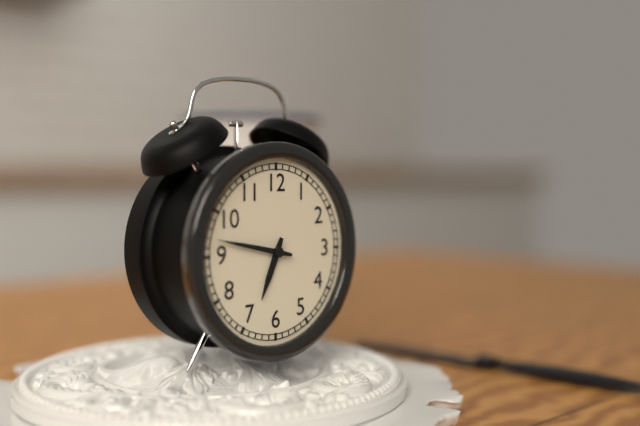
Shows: 6:47
